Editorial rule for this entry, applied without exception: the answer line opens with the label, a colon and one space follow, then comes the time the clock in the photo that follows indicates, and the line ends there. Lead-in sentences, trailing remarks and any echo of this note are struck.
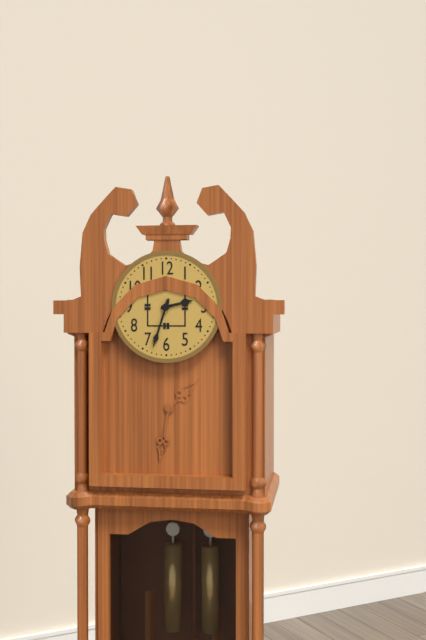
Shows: 2:33
